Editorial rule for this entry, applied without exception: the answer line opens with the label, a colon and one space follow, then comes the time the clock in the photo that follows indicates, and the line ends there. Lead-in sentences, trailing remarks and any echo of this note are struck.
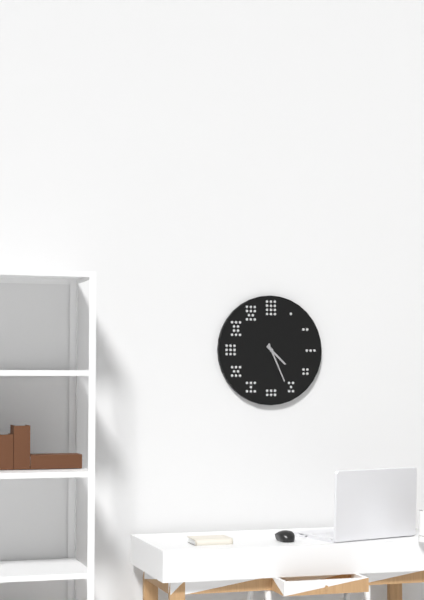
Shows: 4:26
